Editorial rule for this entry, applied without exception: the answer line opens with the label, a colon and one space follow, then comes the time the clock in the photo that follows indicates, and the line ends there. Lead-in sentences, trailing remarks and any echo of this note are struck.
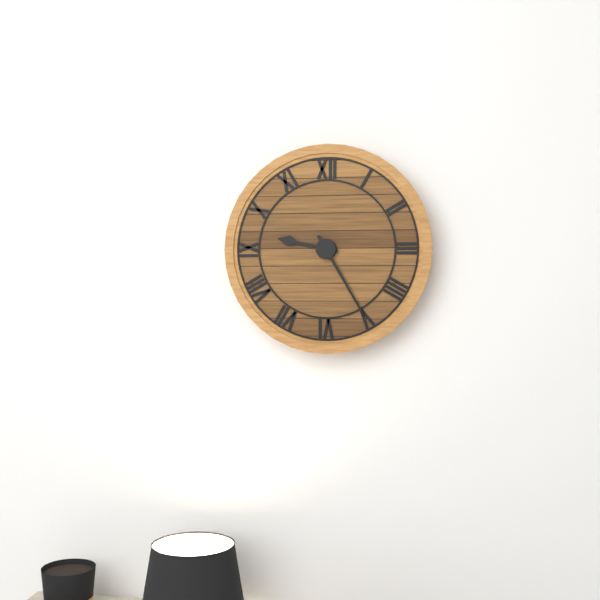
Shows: 9:25
